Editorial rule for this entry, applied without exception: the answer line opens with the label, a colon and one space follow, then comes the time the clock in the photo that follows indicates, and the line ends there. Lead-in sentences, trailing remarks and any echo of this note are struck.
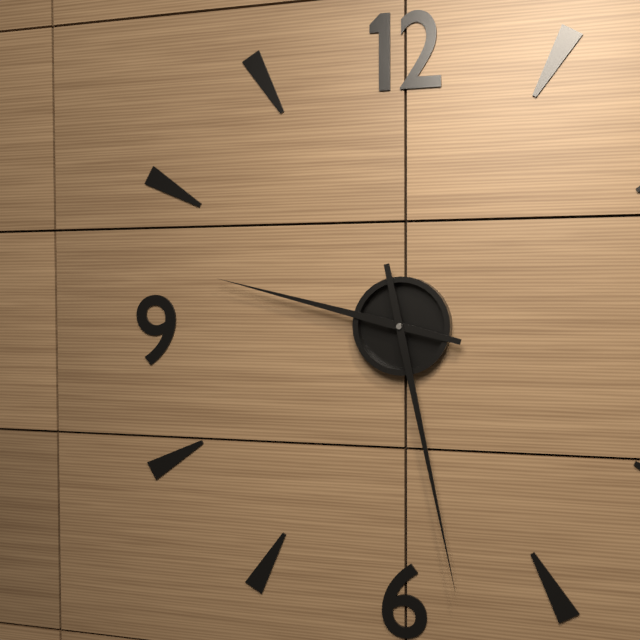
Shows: 9:28
